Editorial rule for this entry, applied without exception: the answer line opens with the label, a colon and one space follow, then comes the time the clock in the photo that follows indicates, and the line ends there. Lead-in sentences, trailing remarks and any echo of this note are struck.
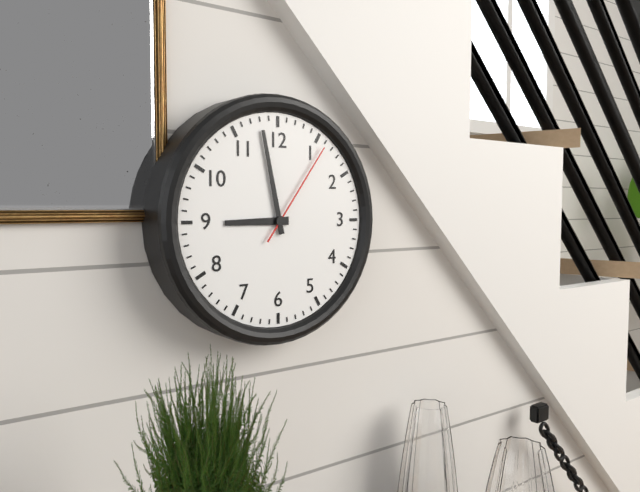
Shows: 8:58:06
